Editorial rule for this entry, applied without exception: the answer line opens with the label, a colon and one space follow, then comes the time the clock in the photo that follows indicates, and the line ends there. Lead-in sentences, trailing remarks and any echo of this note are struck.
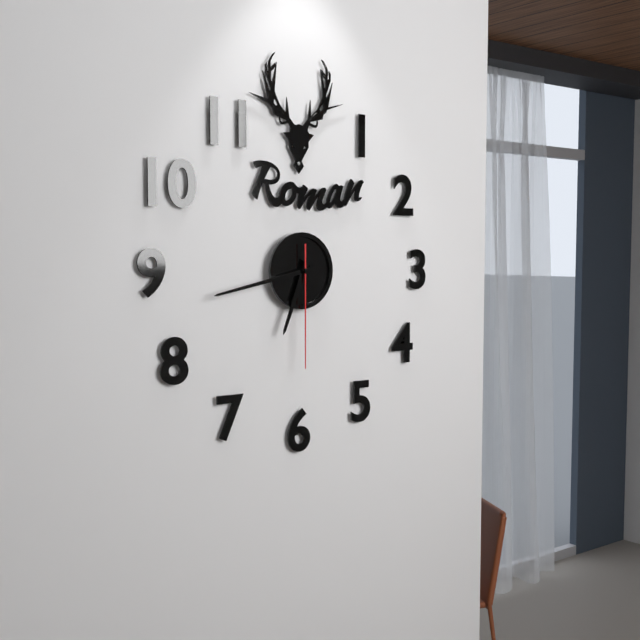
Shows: 6:43:30
